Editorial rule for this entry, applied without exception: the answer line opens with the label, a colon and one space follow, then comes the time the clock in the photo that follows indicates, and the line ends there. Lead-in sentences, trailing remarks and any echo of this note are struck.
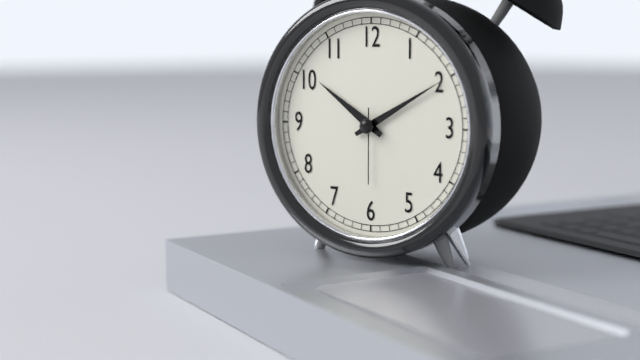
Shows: 10:10:30
